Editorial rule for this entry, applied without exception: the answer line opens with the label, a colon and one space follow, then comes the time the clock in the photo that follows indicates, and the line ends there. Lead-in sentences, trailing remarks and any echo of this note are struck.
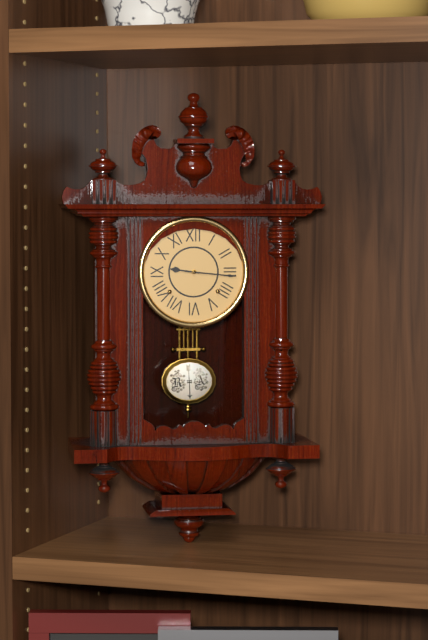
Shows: 9:16
